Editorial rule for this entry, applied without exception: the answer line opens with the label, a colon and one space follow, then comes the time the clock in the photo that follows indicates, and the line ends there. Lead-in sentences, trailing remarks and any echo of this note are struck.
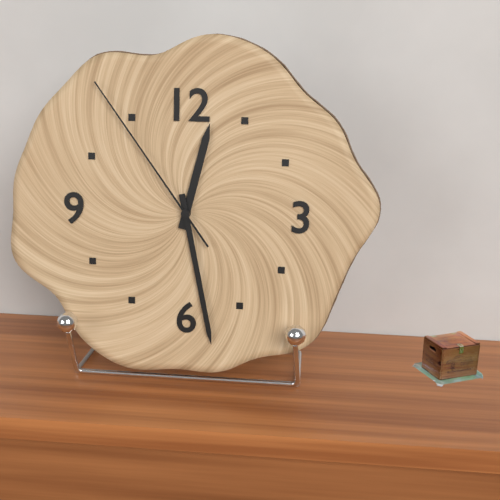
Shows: 12:28:54
